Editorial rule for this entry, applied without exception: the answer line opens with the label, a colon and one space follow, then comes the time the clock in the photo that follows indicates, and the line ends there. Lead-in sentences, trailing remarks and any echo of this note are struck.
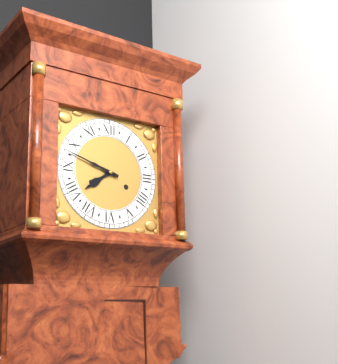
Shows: 7:48
